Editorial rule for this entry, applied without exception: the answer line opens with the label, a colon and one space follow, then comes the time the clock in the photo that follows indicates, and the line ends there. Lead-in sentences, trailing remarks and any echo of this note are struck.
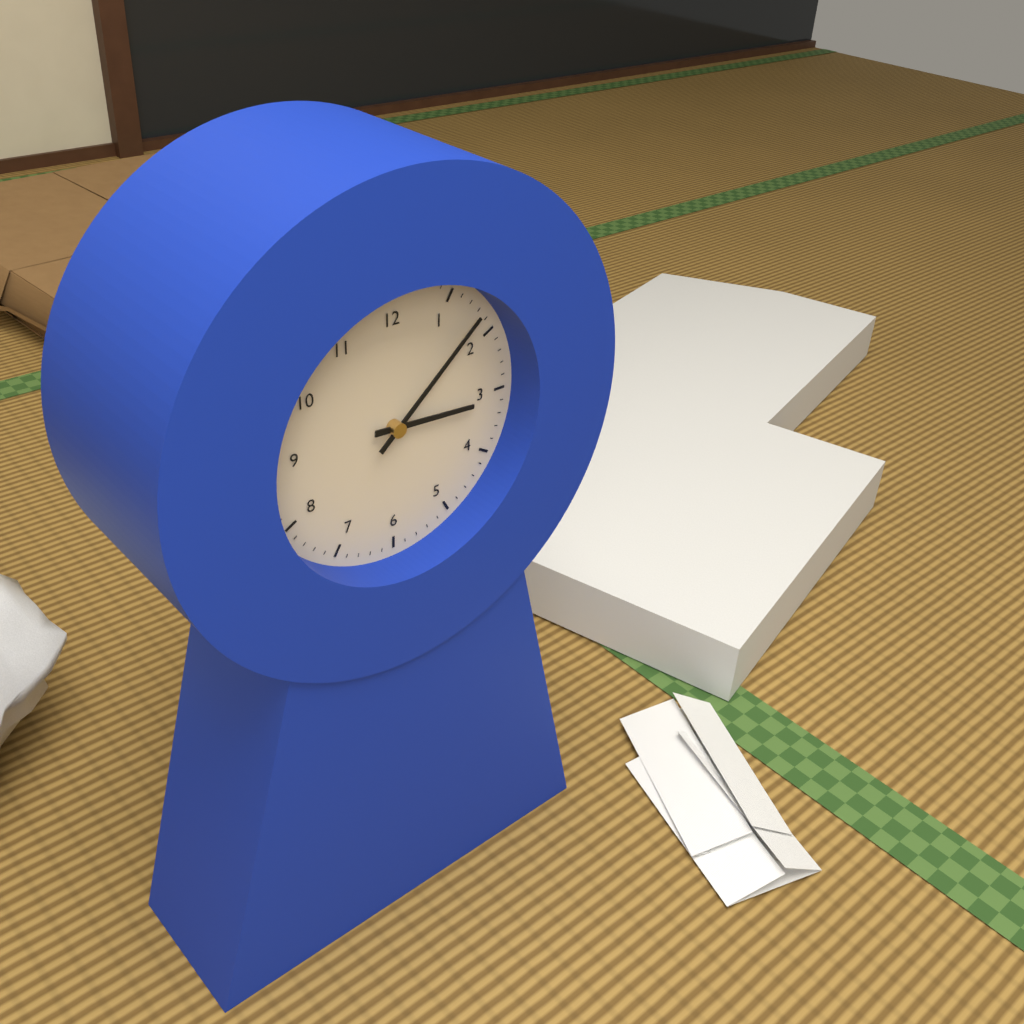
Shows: 3:08
